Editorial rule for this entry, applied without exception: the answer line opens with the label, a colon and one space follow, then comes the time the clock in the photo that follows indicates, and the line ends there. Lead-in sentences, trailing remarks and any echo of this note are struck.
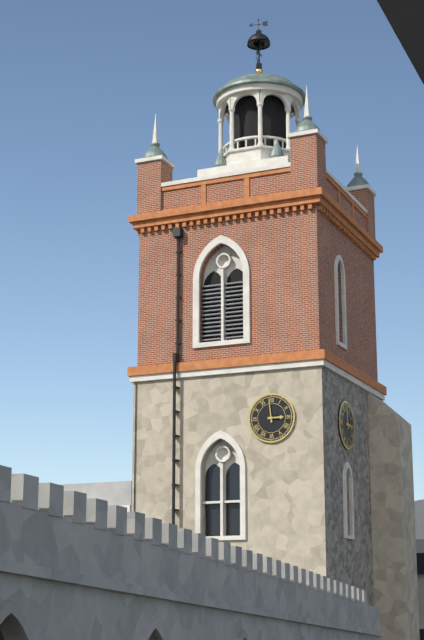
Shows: 2:59
